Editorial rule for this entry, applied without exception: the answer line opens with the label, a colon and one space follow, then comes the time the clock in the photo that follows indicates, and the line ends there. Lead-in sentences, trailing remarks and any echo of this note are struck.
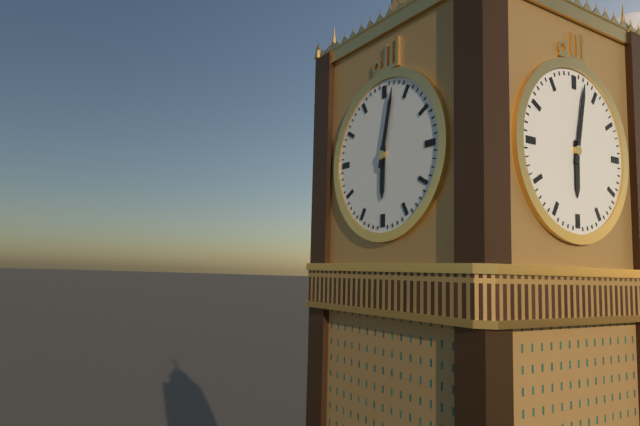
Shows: 6:02
